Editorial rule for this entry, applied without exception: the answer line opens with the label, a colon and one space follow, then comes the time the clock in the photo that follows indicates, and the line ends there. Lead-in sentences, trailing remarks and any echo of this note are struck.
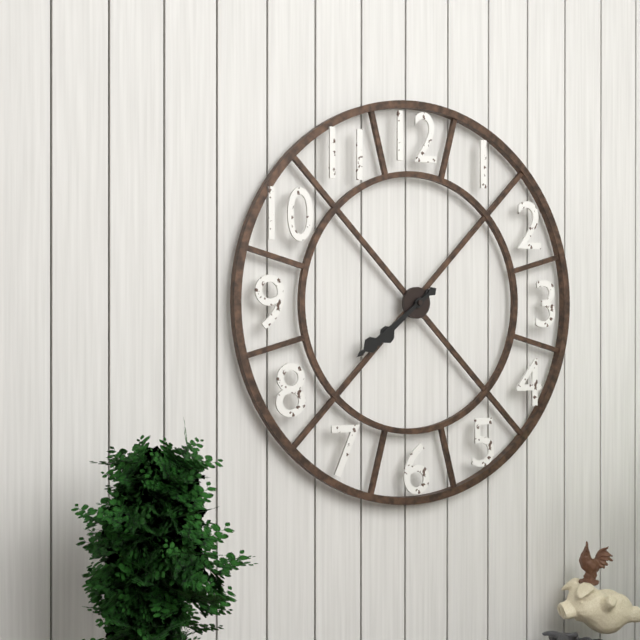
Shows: 7:39
